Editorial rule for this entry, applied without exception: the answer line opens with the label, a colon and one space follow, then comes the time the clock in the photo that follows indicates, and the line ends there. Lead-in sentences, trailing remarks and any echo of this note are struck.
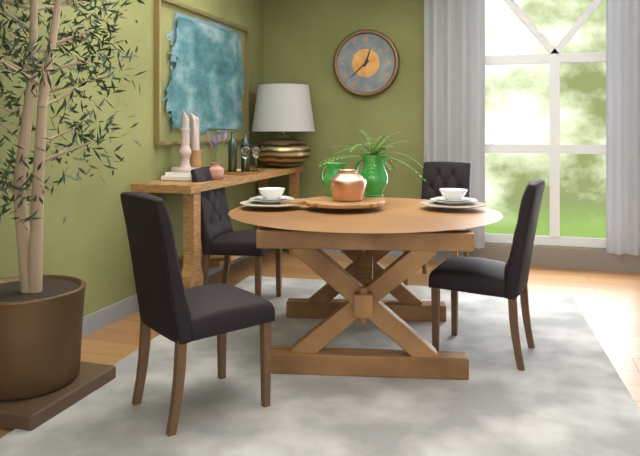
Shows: 12:38
